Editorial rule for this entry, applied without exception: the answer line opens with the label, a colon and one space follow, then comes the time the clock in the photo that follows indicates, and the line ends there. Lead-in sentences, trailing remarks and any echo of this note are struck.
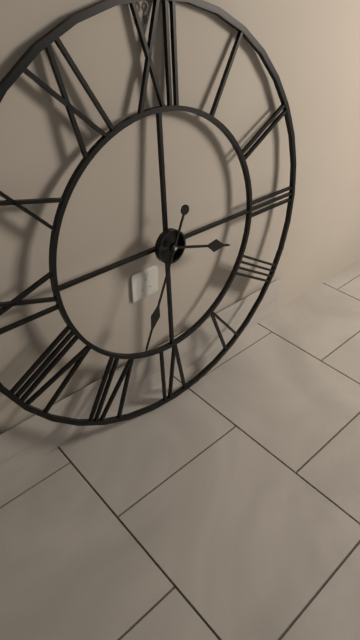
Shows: 3:34
